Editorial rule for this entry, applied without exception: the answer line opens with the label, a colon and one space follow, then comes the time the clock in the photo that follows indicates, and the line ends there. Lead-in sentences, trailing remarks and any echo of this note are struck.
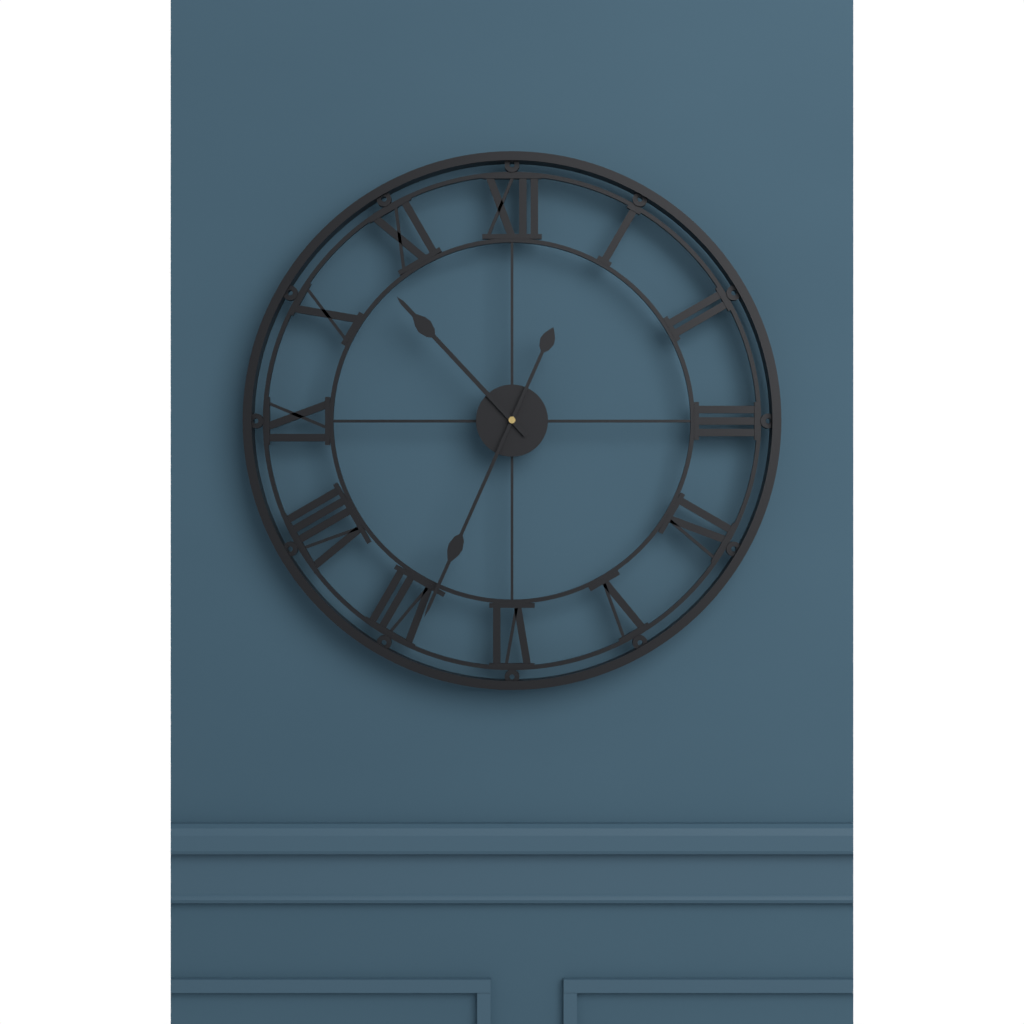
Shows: 10:34
